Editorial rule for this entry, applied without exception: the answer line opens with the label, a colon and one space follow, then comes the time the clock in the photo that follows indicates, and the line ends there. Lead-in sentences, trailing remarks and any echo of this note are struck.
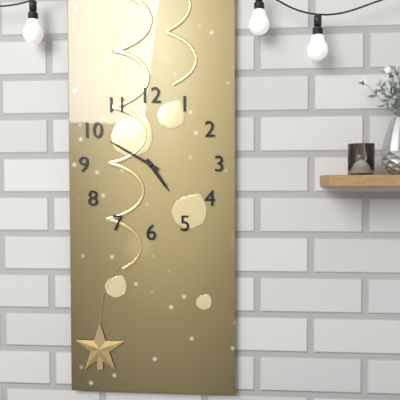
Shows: 4:50
